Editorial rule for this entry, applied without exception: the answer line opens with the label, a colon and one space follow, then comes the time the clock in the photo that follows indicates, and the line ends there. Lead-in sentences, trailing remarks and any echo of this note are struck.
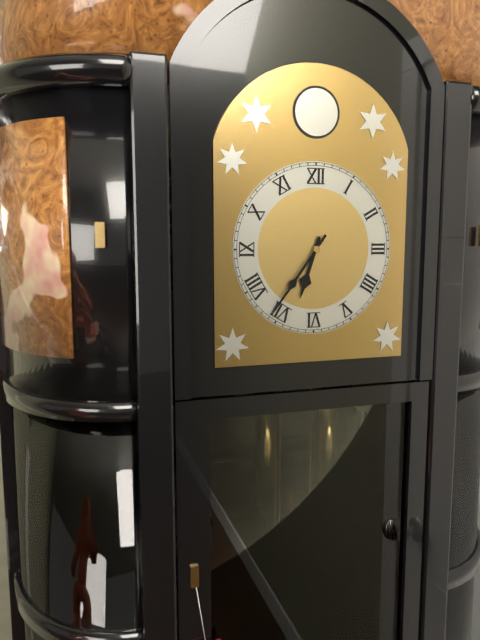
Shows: 6:36
